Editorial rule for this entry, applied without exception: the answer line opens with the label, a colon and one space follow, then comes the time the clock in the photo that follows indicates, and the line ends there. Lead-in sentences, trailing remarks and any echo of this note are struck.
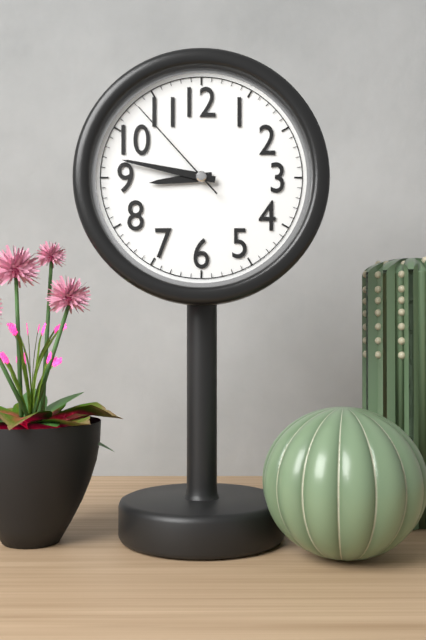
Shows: 8:47:53
